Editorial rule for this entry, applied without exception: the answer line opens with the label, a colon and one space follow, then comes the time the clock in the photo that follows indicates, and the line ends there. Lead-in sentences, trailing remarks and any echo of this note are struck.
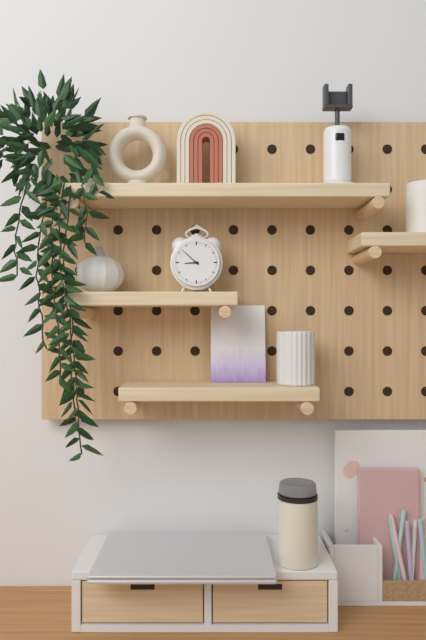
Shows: 8:52
